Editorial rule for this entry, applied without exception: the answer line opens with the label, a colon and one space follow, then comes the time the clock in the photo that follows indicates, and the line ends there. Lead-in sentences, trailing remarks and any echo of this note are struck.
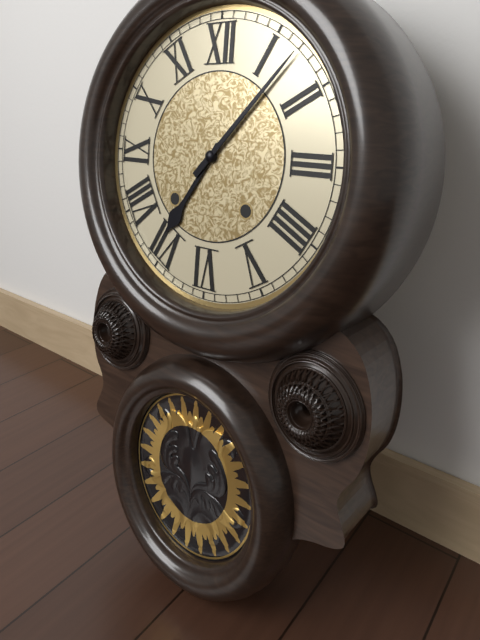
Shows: 7:07
